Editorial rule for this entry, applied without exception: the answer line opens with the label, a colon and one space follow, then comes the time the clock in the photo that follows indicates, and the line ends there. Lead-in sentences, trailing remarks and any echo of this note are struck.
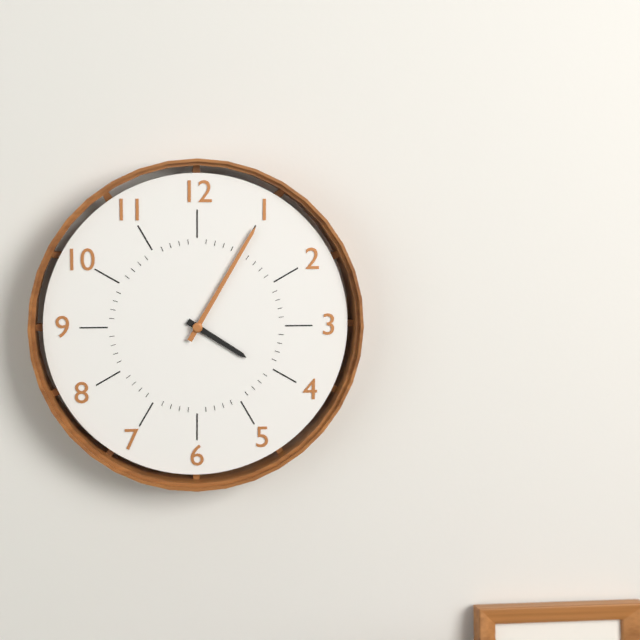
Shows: 4:05
